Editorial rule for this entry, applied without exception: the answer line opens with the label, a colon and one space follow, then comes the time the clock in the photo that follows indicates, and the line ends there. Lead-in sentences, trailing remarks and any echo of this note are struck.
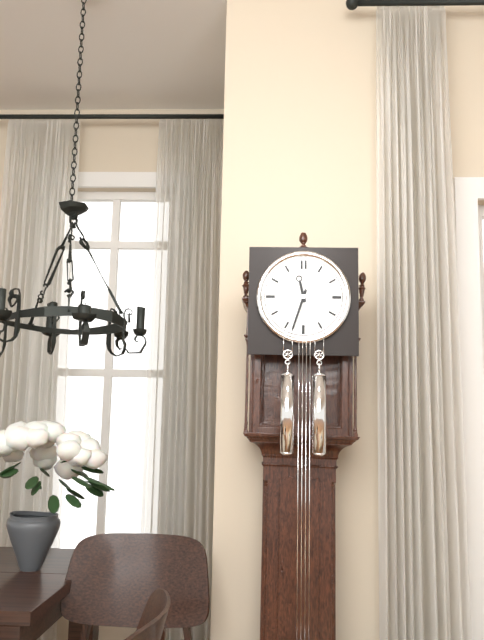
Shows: 11:33
